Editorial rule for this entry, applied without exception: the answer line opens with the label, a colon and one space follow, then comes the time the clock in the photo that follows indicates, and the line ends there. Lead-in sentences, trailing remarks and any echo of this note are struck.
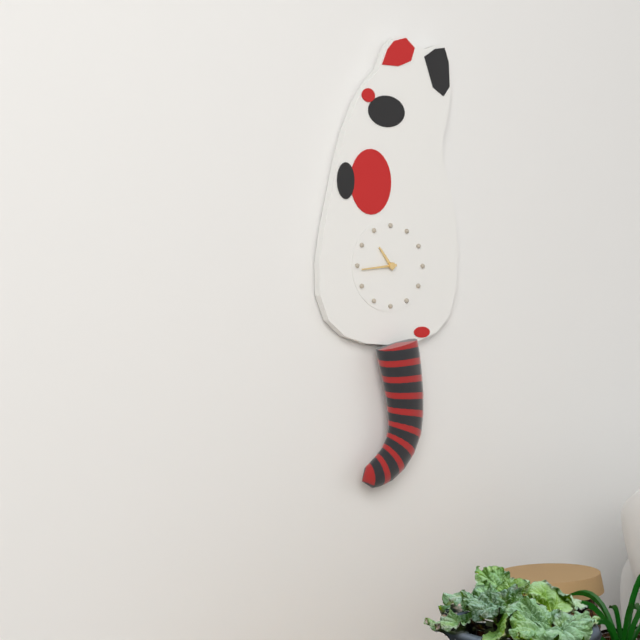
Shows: 10:44
